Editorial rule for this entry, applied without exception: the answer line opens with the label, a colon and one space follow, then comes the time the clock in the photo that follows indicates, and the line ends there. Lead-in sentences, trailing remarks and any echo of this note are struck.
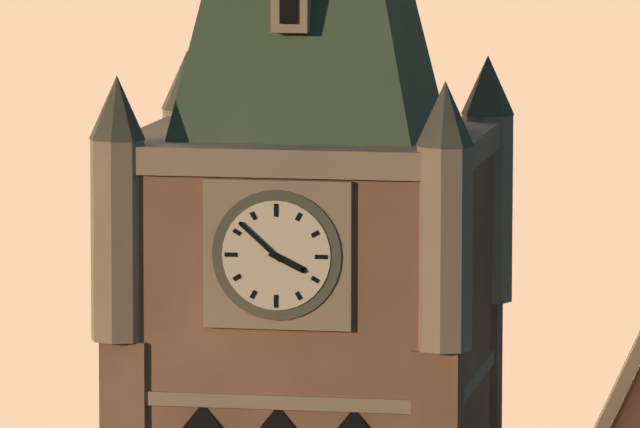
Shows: 3:52
